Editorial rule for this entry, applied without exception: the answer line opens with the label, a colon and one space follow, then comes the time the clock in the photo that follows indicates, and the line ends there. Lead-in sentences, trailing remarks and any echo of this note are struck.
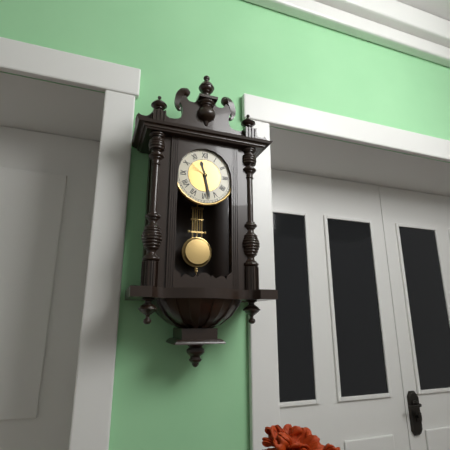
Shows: 11:28
